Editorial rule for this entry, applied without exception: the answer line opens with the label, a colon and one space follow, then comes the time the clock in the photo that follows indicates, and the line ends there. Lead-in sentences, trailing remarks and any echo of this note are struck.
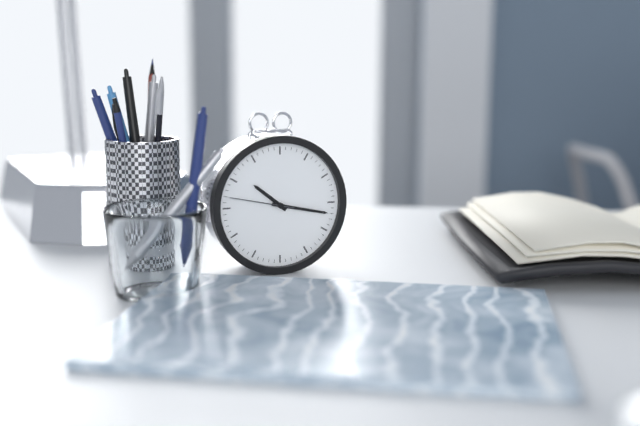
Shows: 10:17:47
